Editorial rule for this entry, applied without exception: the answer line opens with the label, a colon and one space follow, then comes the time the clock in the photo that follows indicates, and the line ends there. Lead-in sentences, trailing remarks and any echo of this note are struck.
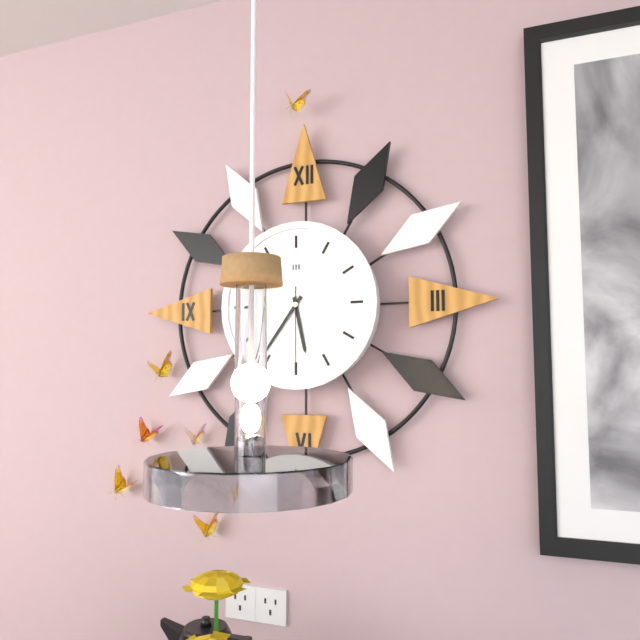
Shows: 5:36:30
